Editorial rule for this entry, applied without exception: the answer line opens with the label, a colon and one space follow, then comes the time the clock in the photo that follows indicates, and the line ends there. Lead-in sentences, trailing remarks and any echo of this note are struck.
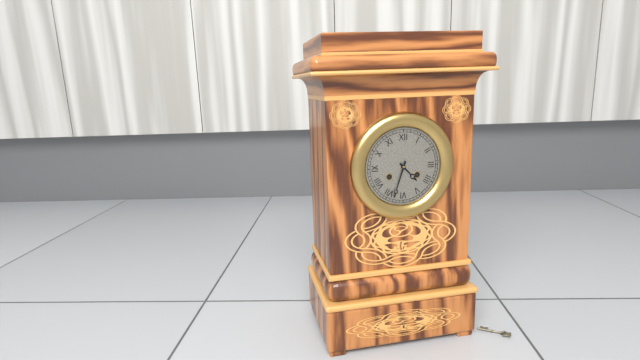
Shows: 4:33
